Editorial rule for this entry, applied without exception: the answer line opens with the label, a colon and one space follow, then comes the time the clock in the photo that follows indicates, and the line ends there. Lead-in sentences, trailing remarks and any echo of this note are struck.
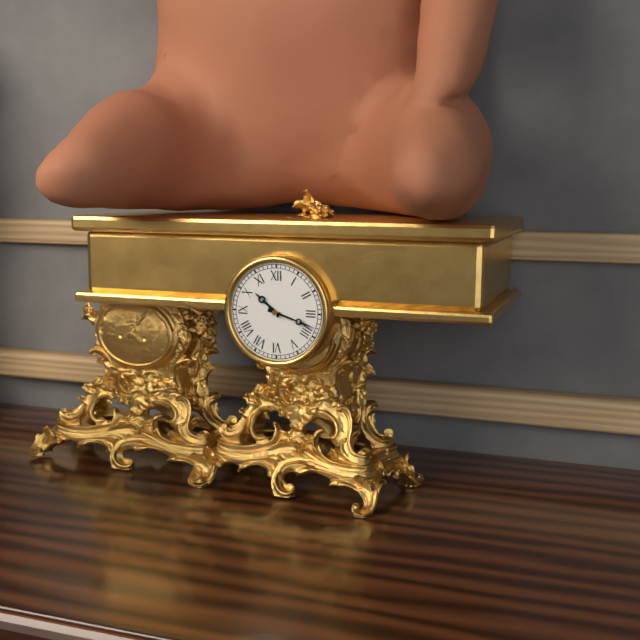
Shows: 10:18
